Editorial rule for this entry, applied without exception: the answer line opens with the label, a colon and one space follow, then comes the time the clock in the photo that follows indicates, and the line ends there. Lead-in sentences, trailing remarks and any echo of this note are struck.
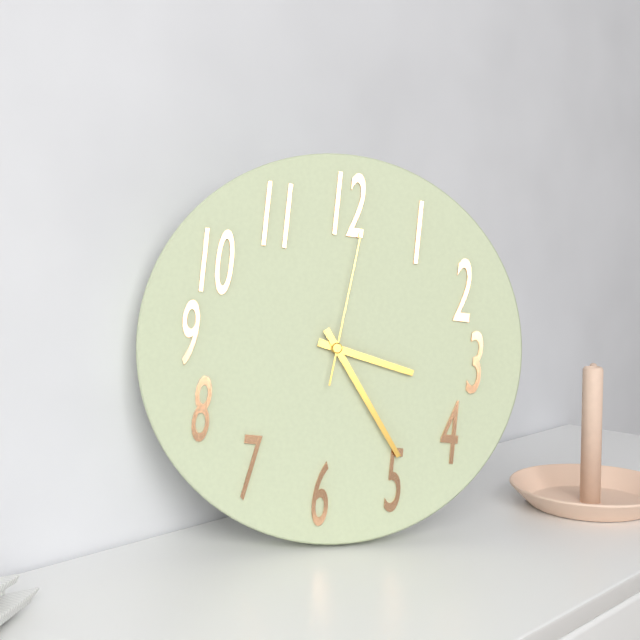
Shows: 3:24:01
